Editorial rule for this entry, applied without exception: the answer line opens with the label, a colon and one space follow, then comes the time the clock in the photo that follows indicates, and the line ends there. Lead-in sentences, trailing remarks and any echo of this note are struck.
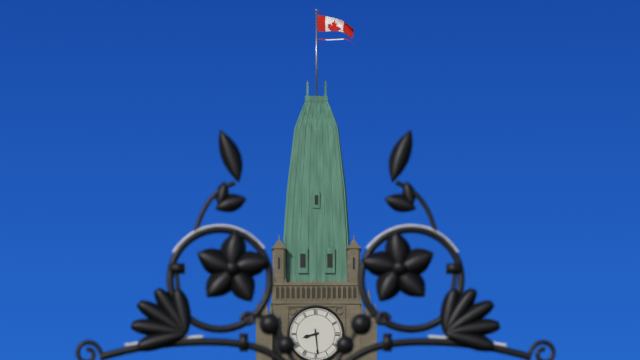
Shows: 8:29
